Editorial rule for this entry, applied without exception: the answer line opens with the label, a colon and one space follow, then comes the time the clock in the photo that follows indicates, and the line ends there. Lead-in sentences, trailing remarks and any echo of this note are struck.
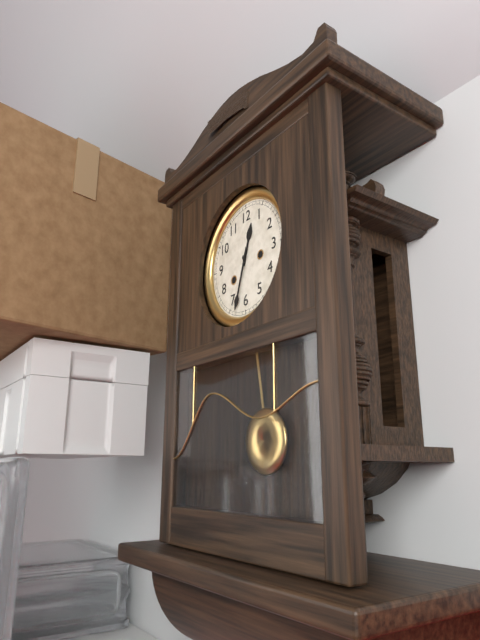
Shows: 12:33
